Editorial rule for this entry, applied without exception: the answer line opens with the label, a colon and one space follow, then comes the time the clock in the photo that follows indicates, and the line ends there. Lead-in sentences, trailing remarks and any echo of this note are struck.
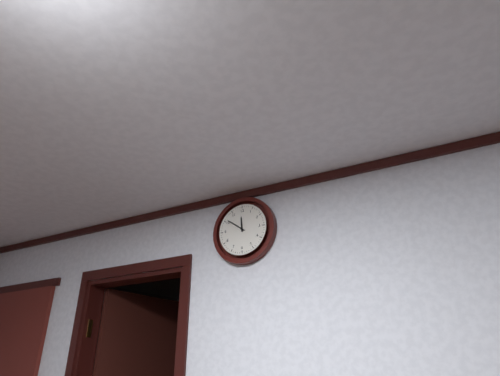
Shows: 11:51
